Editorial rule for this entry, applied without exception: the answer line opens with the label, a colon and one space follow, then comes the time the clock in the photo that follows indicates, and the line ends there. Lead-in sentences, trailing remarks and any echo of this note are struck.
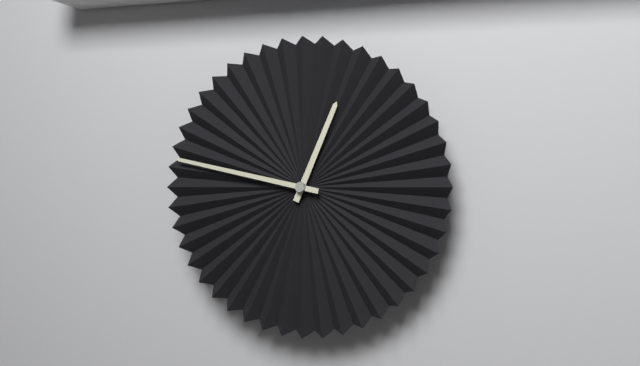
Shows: 12:47
